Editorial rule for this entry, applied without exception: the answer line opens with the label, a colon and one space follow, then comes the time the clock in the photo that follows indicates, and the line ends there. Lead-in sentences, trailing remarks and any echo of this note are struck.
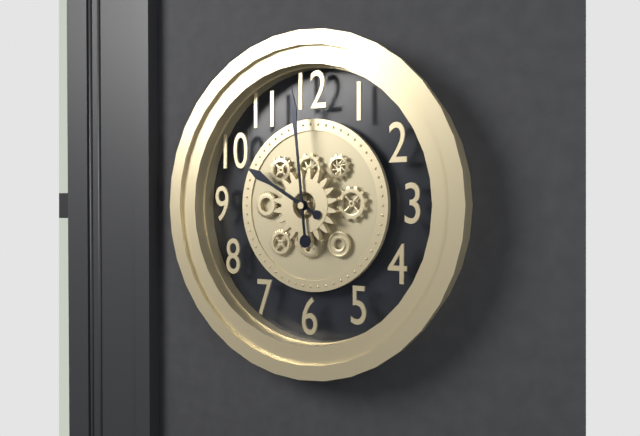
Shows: 9:59
